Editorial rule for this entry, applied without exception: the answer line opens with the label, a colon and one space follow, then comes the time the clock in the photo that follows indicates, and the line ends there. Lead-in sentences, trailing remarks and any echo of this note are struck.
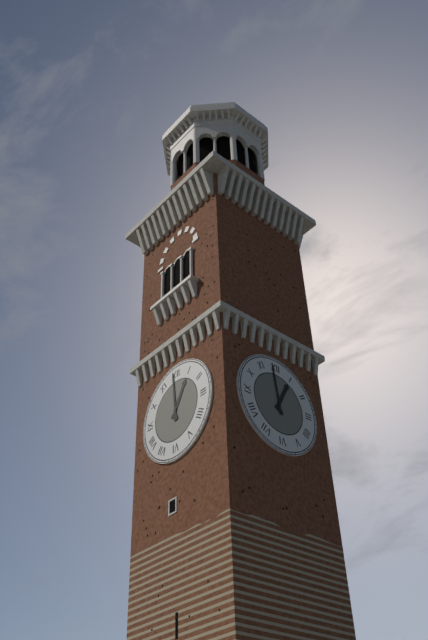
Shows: 12:59
